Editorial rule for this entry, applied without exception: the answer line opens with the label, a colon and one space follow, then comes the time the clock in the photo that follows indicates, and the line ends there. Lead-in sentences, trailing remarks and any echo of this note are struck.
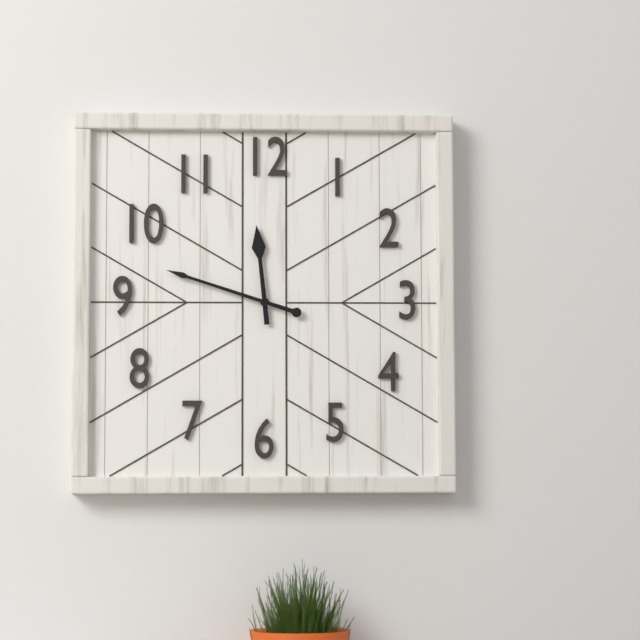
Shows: 11:48
